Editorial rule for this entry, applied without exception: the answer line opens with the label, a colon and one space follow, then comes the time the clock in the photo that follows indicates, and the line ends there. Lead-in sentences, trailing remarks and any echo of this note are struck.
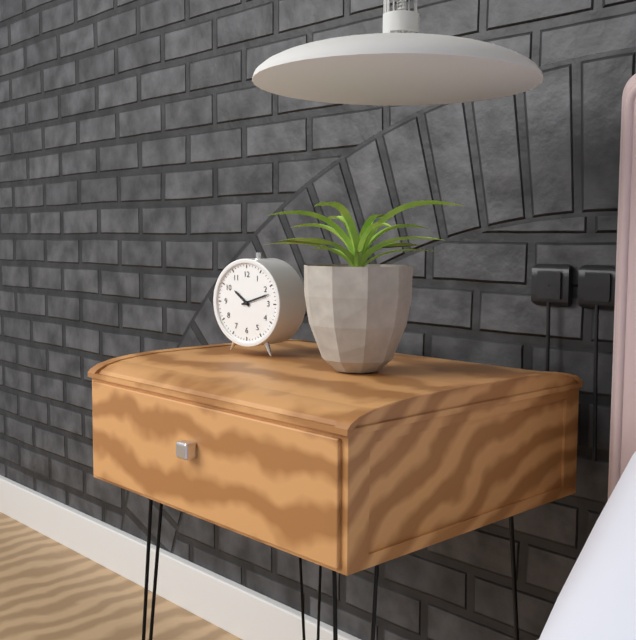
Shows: 10:12
